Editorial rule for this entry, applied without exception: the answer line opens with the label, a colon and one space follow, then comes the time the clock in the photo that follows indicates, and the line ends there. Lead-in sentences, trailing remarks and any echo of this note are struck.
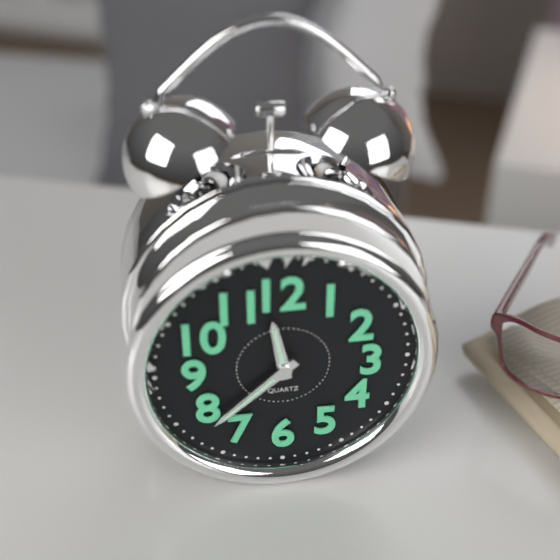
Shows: 11:38
